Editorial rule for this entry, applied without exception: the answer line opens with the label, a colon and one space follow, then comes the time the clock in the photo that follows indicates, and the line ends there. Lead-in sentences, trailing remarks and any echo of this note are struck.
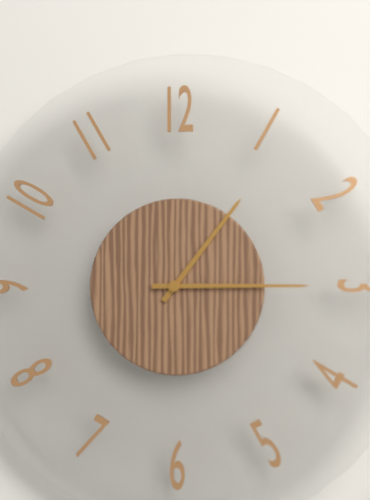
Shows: 1:15
